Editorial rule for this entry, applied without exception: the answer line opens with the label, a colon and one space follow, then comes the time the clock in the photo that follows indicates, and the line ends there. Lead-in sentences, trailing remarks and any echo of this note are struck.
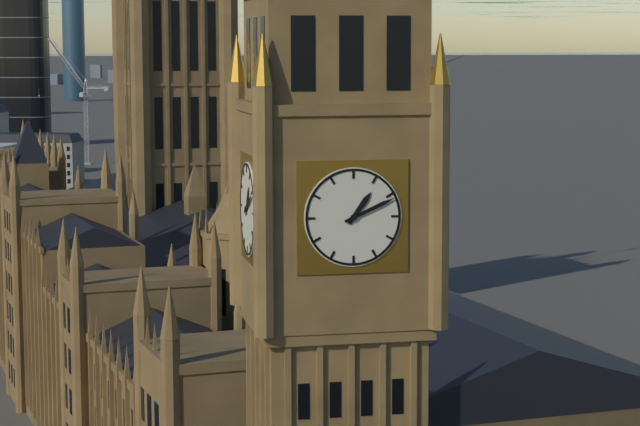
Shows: 1:11
